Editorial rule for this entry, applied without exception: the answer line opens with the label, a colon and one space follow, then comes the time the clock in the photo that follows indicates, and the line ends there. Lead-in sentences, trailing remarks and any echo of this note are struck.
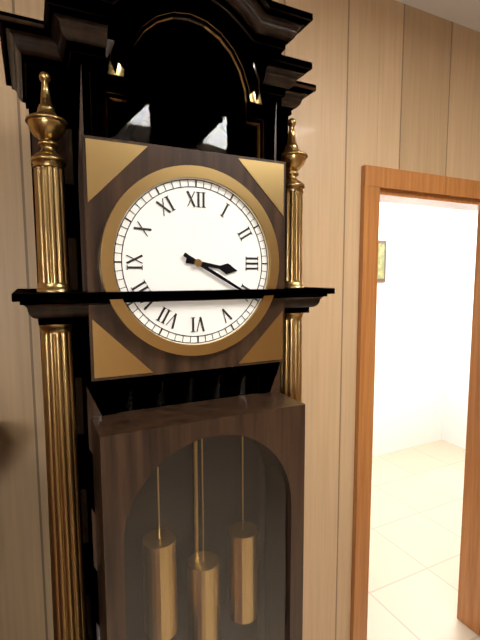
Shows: 3:20
